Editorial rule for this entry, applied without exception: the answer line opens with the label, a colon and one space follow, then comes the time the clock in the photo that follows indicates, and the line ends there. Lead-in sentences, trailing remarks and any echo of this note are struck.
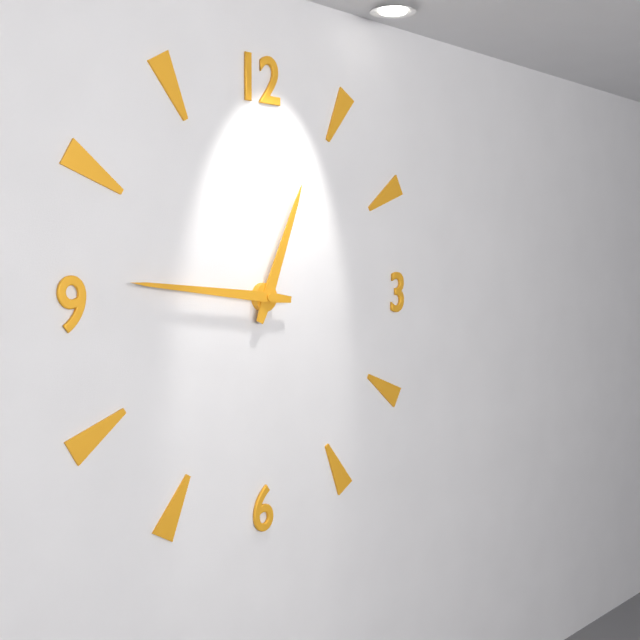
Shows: 12:46
